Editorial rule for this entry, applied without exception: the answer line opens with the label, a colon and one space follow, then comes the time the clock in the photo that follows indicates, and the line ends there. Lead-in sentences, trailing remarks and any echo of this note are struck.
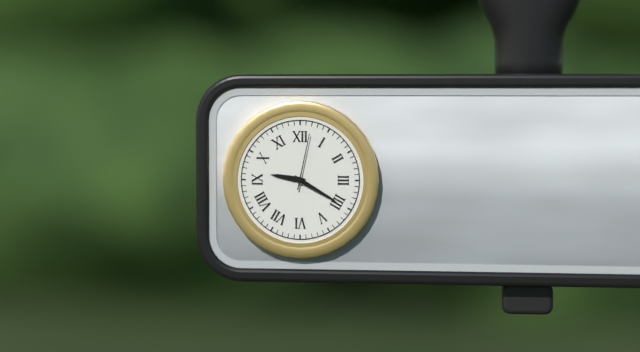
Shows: 9:20:02
